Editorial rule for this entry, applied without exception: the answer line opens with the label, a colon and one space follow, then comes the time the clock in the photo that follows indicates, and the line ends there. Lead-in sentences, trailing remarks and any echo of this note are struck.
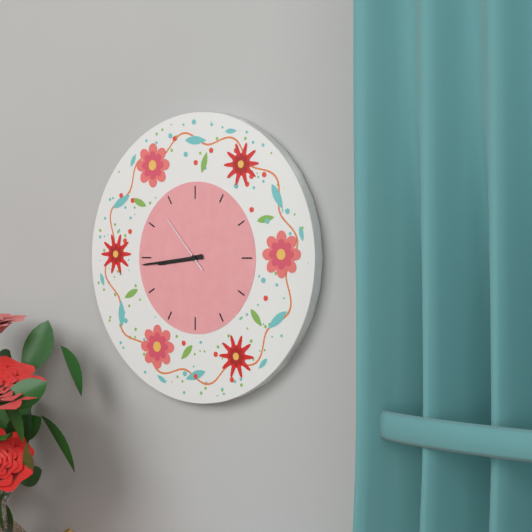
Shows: 8:44:53
